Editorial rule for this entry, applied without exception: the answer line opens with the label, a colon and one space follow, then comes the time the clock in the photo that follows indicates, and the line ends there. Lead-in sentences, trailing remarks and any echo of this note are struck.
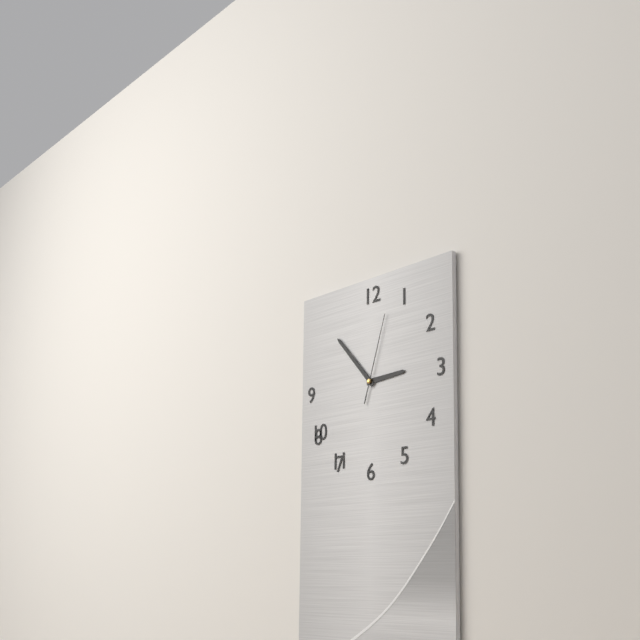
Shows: 2:53:03
